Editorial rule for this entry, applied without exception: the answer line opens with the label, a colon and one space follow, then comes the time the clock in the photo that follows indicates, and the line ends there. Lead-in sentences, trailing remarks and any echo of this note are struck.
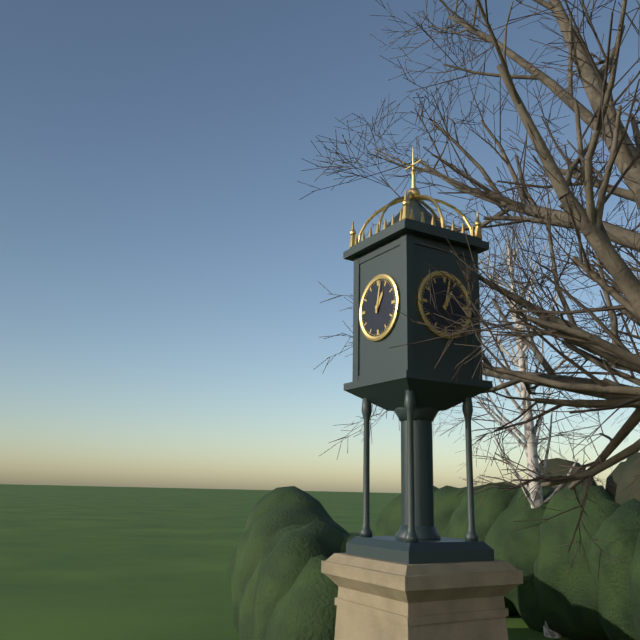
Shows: 1:02
